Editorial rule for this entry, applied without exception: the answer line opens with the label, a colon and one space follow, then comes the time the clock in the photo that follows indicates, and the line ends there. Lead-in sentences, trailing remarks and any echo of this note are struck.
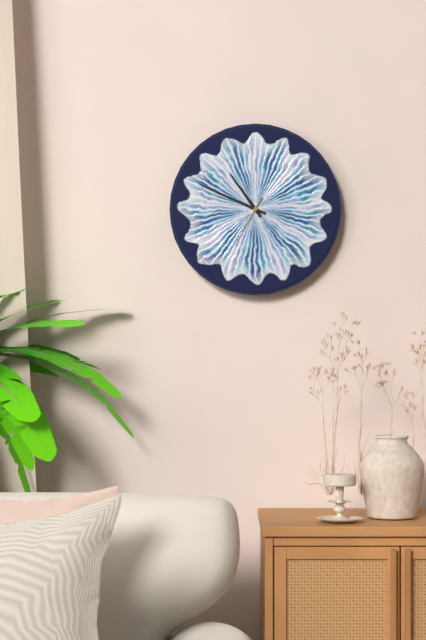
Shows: 10:49:35
